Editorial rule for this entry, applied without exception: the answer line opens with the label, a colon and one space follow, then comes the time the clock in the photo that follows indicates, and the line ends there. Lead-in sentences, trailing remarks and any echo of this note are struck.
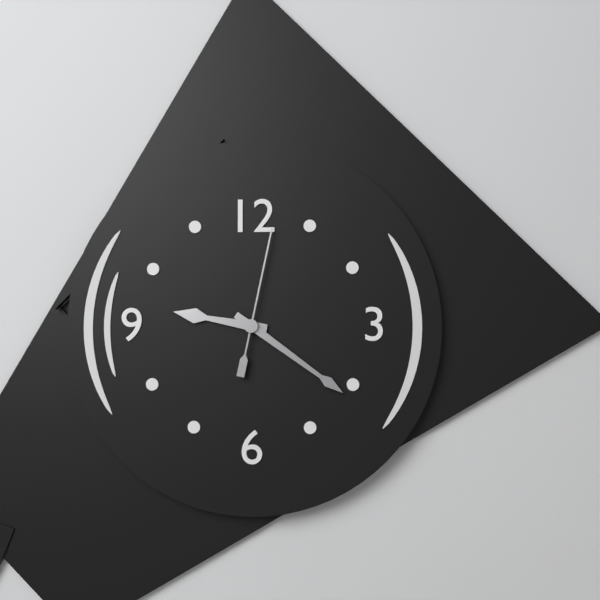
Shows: 9:21:02
